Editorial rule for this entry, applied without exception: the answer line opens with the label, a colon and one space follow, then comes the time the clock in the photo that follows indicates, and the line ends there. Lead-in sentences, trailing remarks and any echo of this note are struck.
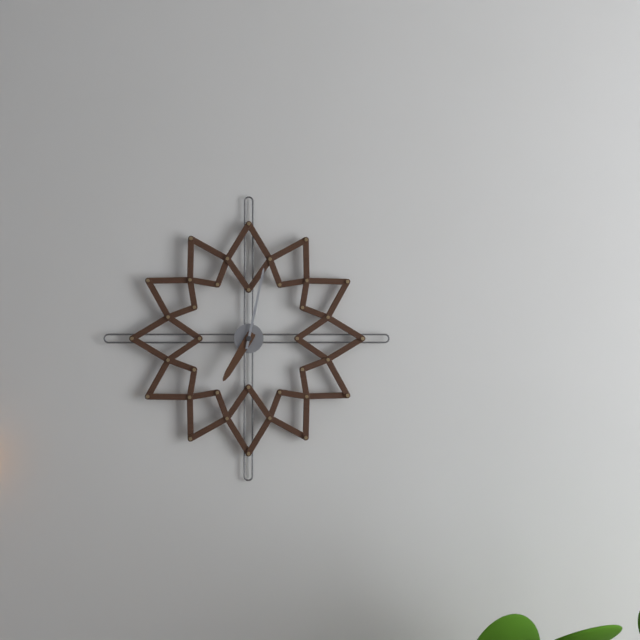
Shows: 7:02
